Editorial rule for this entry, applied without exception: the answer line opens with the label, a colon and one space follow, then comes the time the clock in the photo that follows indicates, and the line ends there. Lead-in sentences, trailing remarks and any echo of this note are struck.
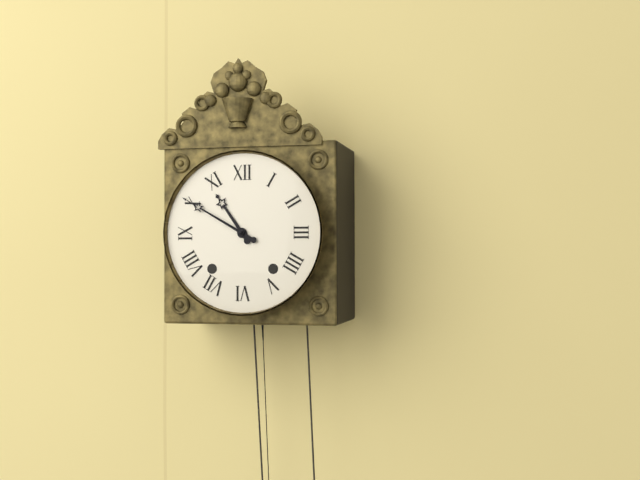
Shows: 10:50
